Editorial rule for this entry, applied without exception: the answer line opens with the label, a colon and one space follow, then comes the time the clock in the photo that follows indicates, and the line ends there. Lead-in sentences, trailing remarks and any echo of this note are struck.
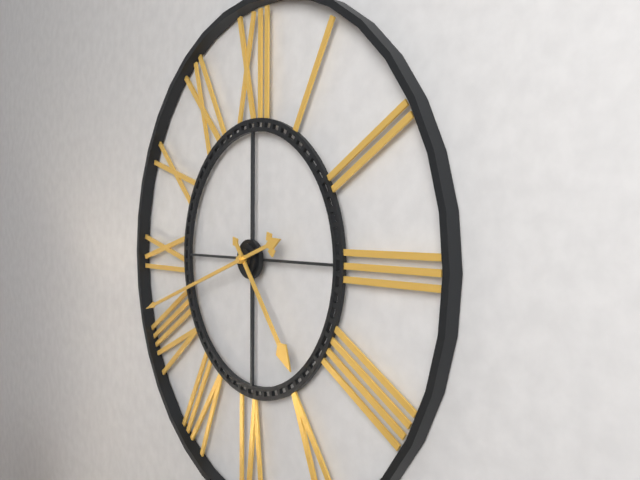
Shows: 4:42
